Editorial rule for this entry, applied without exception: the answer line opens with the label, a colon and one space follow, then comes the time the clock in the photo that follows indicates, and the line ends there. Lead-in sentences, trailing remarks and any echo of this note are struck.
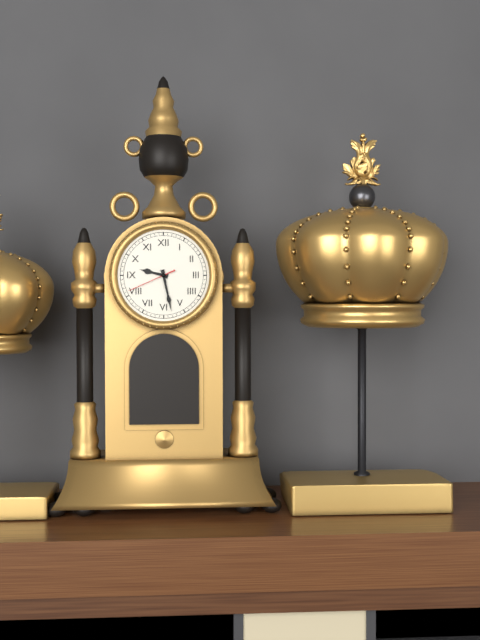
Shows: 9:28
